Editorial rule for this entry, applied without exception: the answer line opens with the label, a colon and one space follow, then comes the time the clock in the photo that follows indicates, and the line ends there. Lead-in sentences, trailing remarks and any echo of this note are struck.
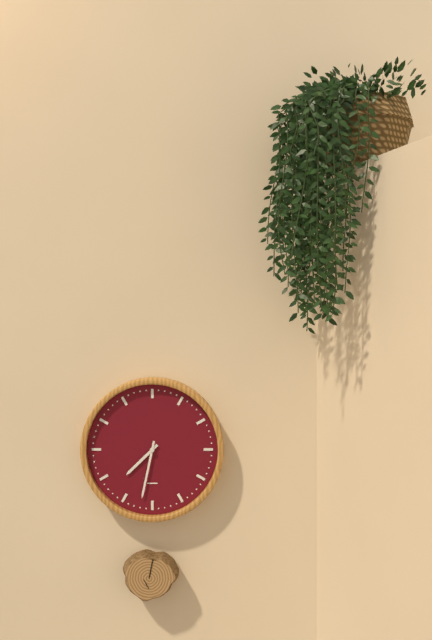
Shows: 7:32
